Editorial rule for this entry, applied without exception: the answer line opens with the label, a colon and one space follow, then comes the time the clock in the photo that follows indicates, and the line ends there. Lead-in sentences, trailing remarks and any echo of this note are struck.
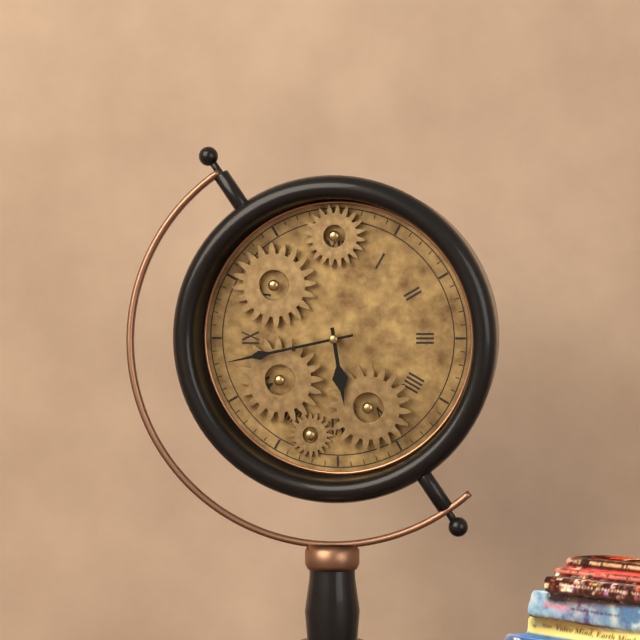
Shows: 5:43
